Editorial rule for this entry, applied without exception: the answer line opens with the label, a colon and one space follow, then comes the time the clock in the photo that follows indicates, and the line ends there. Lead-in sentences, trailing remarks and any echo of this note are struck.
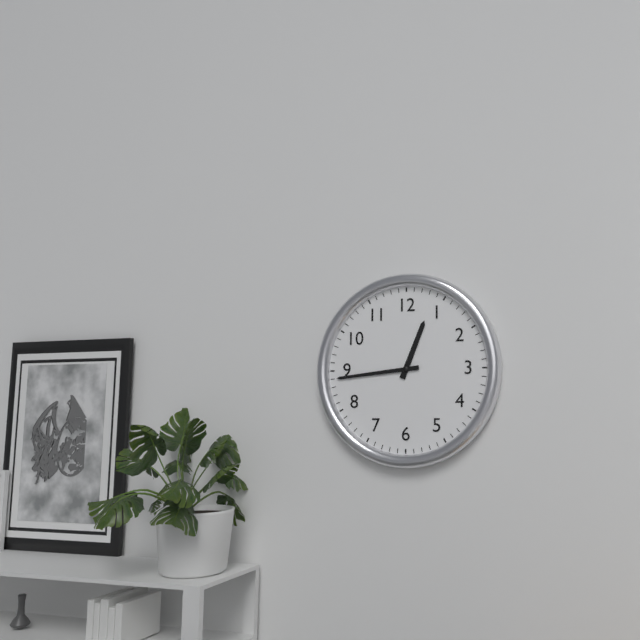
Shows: 12:44
